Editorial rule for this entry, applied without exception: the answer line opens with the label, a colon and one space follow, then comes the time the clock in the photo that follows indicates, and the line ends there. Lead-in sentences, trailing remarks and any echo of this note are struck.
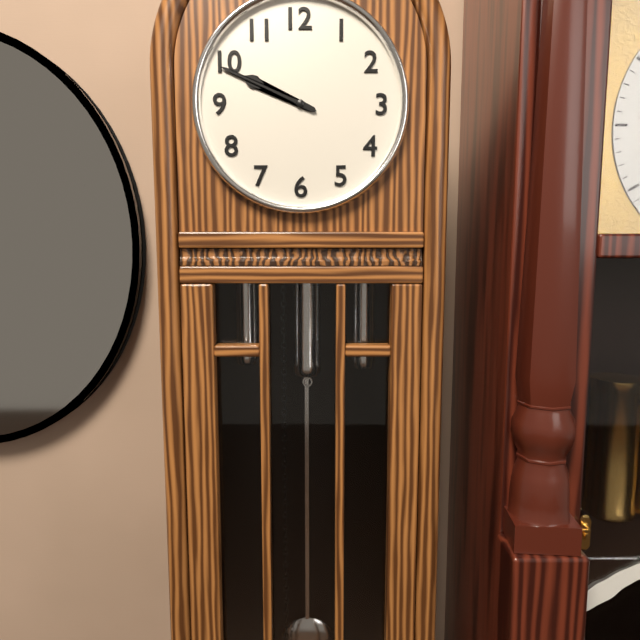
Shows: 9:49
